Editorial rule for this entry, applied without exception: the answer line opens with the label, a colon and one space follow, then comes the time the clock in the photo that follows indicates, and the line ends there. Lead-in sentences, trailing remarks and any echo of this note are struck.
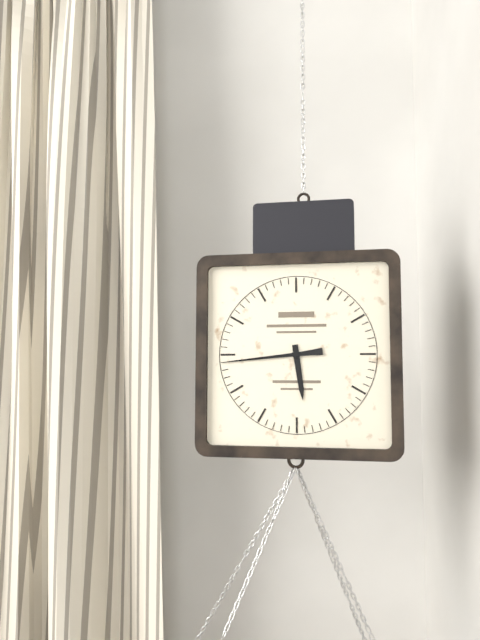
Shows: 5:44
